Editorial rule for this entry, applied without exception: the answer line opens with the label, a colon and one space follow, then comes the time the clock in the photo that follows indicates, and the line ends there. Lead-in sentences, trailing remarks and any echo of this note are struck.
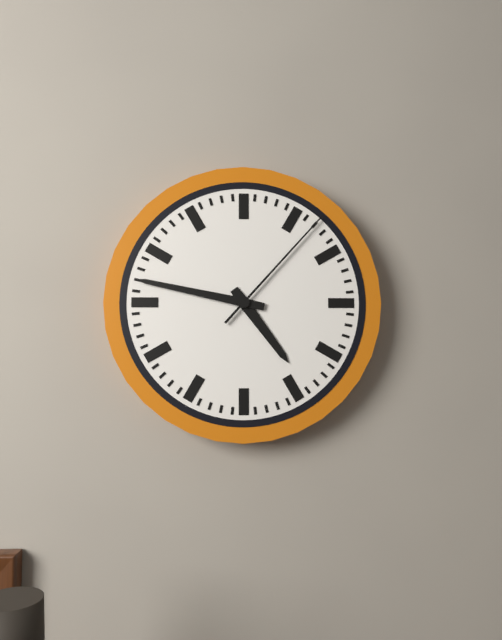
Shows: 4:47:07
